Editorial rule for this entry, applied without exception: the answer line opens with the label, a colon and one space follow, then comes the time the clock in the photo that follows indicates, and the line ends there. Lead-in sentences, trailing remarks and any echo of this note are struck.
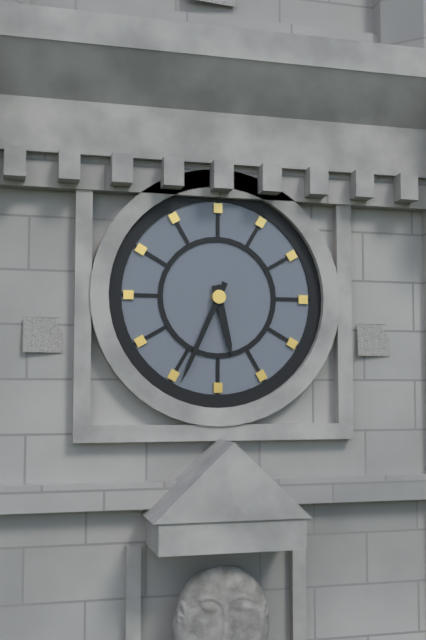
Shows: 5:34
